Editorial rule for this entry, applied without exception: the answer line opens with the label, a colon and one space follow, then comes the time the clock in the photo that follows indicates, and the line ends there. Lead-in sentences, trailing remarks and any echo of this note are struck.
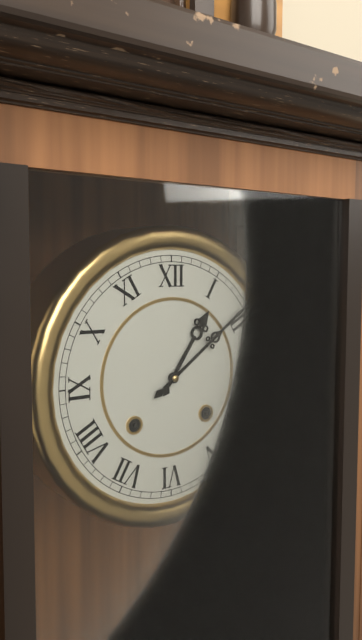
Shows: 1:09
